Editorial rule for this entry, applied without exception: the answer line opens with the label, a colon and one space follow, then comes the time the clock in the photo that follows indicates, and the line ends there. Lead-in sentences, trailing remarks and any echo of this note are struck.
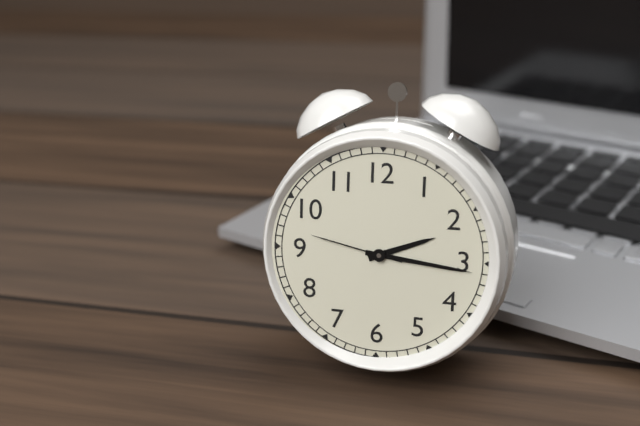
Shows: 2:16:47
